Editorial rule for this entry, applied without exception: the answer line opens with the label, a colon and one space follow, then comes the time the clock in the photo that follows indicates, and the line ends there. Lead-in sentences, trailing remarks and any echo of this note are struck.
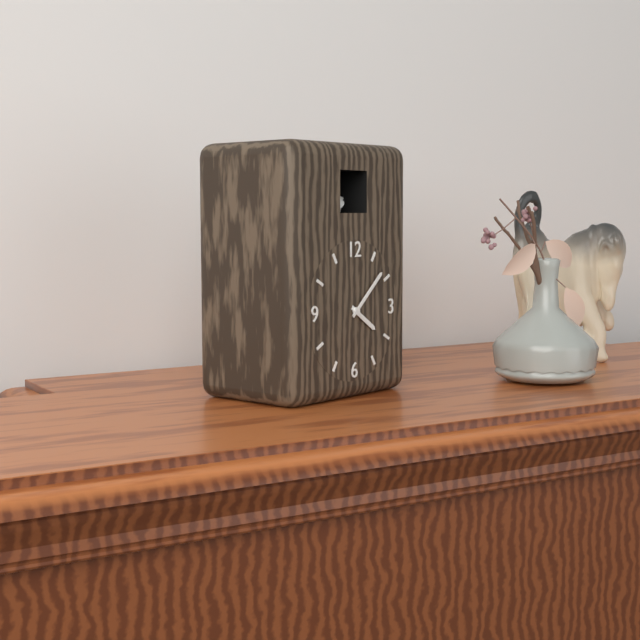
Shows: 4:08
